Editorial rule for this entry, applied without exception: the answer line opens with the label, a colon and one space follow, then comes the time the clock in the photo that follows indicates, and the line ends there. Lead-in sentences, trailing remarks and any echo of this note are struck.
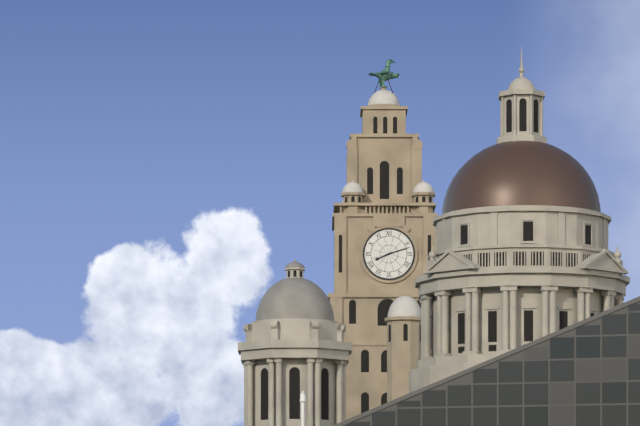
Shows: 8:12
